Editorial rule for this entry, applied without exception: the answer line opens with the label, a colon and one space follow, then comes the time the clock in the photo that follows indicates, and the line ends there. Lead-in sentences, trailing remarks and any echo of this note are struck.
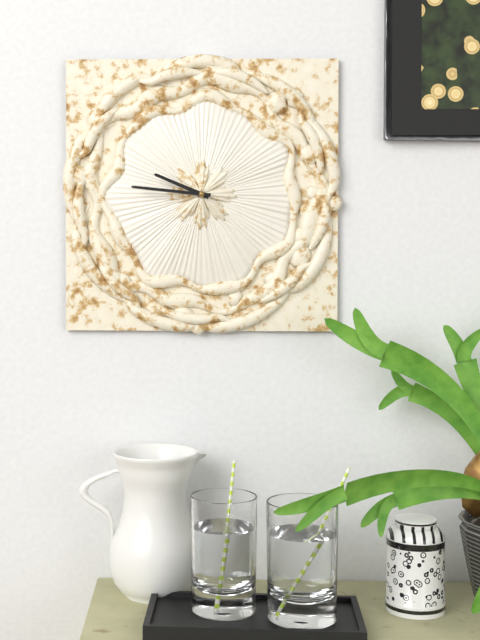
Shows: 9:46
